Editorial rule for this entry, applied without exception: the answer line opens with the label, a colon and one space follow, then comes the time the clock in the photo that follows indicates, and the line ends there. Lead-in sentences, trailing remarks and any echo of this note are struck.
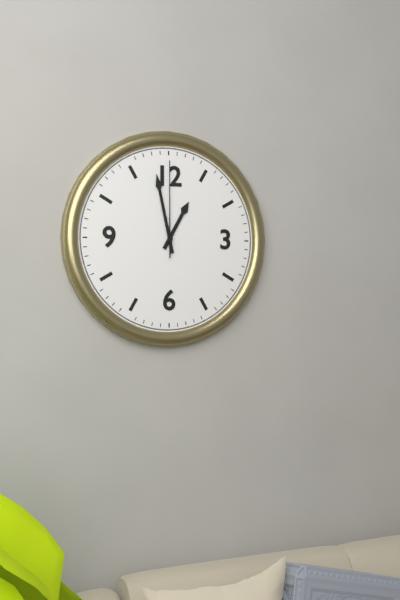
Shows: 12:58:00
